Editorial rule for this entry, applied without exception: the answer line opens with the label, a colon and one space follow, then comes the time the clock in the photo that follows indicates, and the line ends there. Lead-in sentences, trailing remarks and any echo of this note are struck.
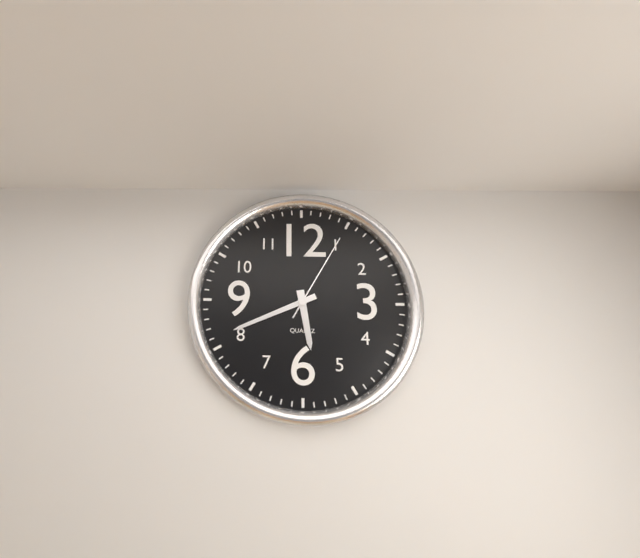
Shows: 5:41:05
